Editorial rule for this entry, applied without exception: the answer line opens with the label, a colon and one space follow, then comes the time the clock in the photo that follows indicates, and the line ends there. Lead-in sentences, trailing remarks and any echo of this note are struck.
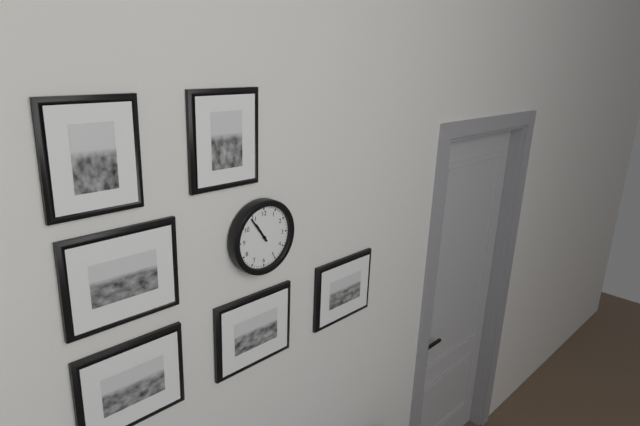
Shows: 10:54
